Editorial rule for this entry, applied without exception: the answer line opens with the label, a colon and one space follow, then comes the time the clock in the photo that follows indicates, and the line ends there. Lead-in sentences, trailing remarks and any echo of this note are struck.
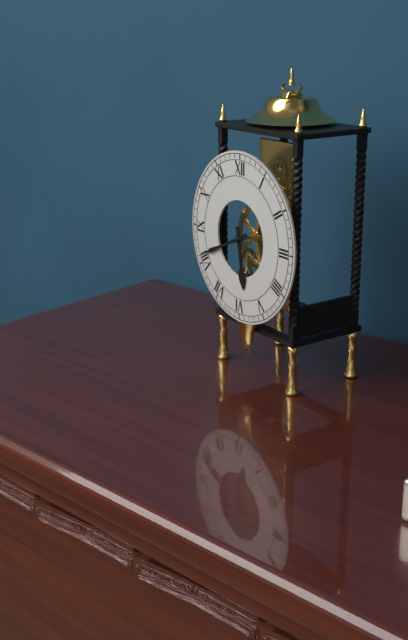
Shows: 5:41
